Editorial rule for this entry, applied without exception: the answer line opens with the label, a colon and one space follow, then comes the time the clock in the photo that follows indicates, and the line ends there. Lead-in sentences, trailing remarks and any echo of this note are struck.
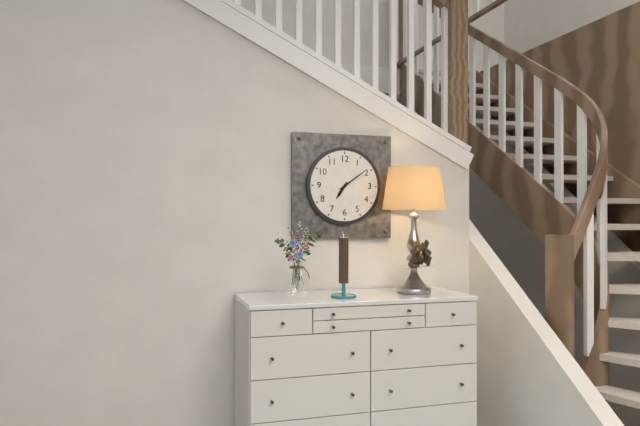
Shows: 7:09
